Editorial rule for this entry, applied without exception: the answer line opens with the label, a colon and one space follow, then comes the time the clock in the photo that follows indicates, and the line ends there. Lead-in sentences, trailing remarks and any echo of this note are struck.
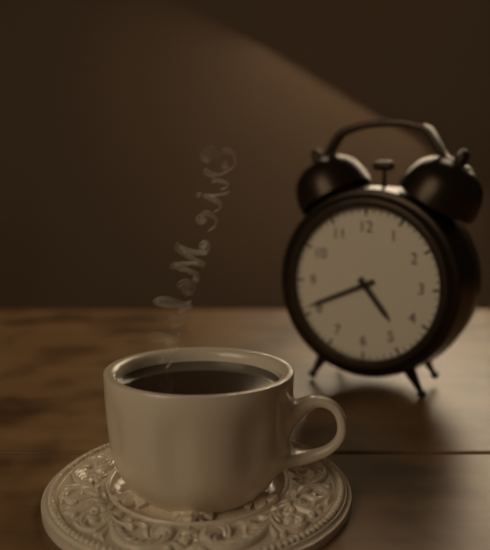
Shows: 4:41
